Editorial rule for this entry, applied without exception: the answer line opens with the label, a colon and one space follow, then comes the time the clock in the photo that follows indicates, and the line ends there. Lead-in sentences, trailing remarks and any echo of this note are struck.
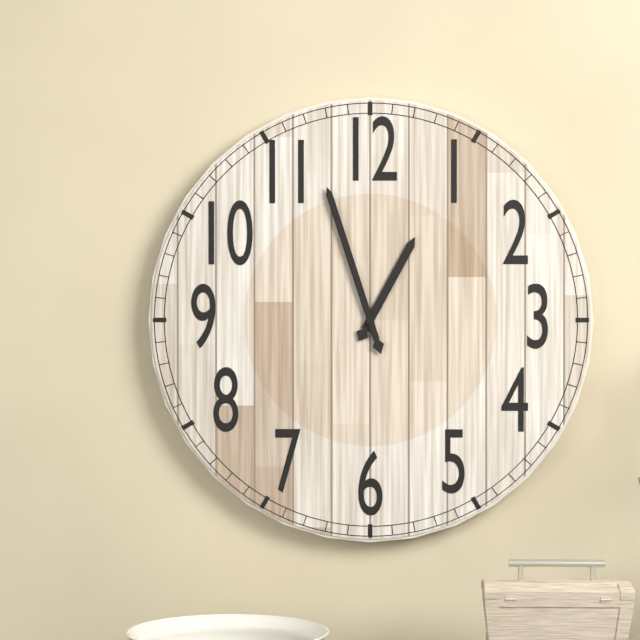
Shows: 12:57
